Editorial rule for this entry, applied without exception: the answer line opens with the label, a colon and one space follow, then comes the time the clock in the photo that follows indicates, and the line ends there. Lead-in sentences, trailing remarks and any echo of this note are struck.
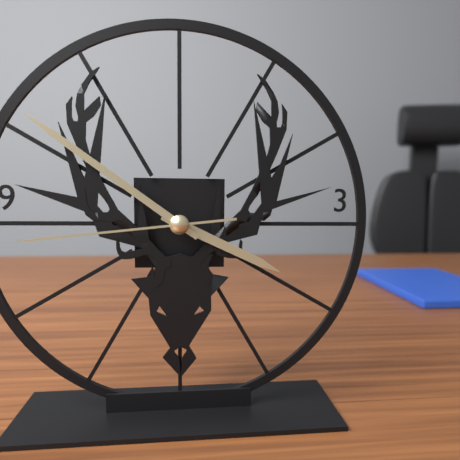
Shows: 3:51:44
